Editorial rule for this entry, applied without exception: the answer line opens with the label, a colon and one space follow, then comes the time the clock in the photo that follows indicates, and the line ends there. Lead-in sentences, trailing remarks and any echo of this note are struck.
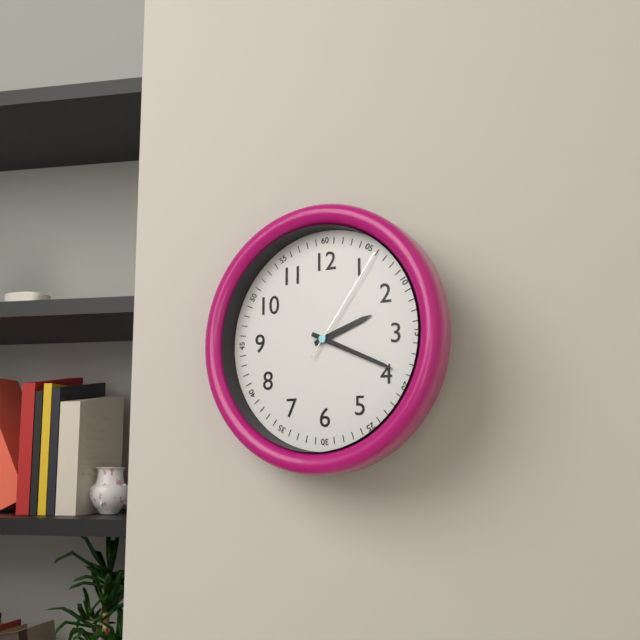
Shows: 2:19:06
